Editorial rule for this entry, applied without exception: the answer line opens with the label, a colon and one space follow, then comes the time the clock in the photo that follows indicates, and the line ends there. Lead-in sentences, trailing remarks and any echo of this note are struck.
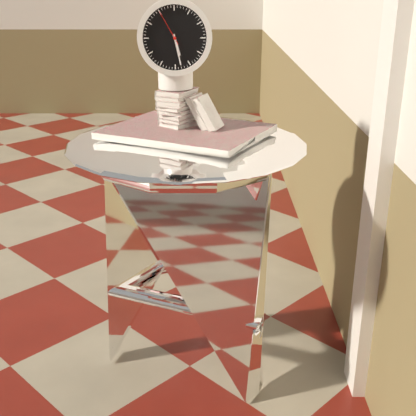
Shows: 5:28
